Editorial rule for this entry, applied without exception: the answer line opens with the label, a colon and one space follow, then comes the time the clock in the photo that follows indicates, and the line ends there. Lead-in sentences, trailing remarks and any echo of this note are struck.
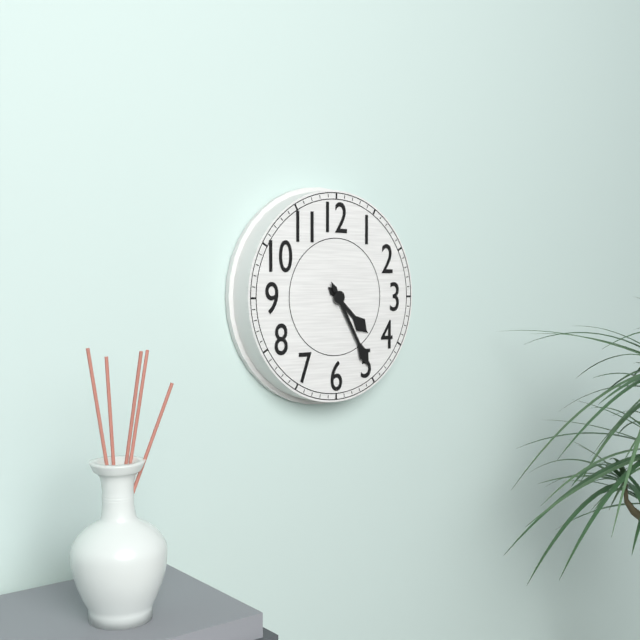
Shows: 4:25
